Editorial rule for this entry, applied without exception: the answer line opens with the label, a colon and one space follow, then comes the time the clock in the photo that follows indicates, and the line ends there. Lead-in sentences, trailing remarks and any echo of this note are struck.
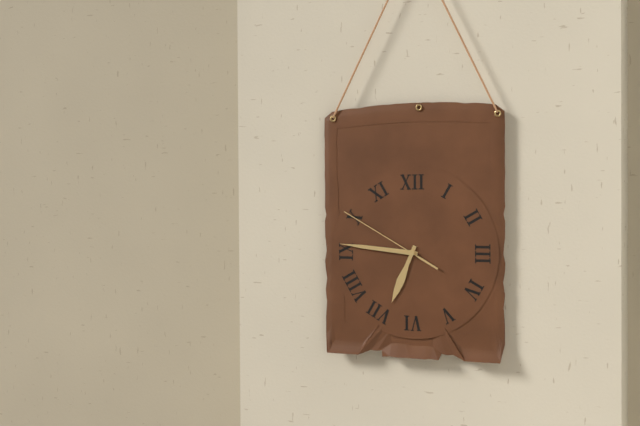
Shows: 6:46:50
